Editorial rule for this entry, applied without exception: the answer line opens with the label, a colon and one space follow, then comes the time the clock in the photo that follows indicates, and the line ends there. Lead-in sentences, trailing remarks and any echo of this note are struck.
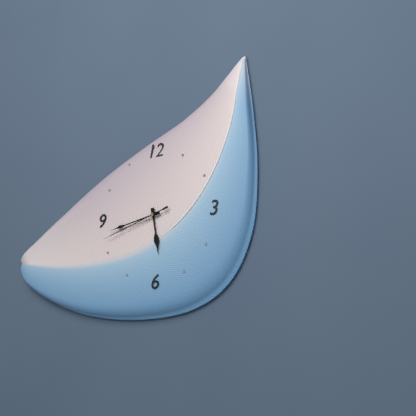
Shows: 5:43:42
